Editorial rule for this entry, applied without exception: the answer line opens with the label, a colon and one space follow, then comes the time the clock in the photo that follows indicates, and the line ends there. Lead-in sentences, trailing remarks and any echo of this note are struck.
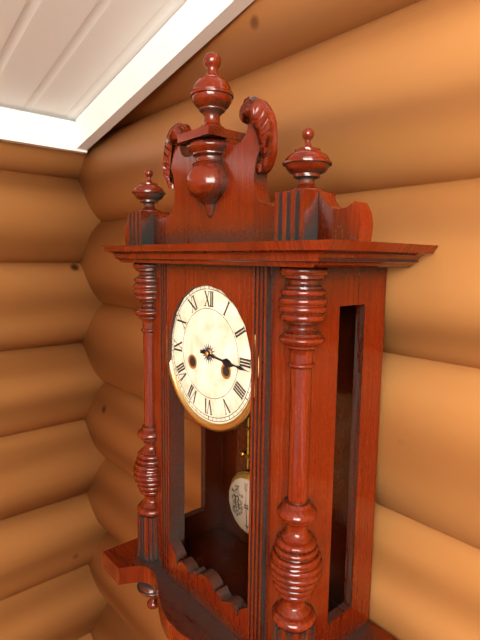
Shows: 3:16
